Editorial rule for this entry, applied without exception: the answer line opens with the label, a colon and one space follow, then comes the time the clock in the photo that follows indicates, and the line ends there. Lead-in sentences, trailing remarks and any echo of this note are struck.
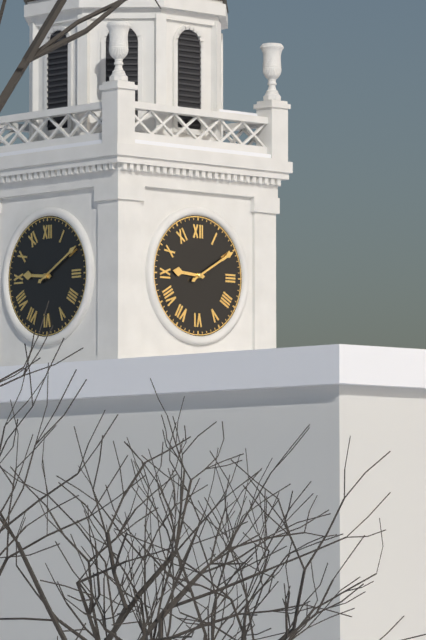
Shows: 9:10
